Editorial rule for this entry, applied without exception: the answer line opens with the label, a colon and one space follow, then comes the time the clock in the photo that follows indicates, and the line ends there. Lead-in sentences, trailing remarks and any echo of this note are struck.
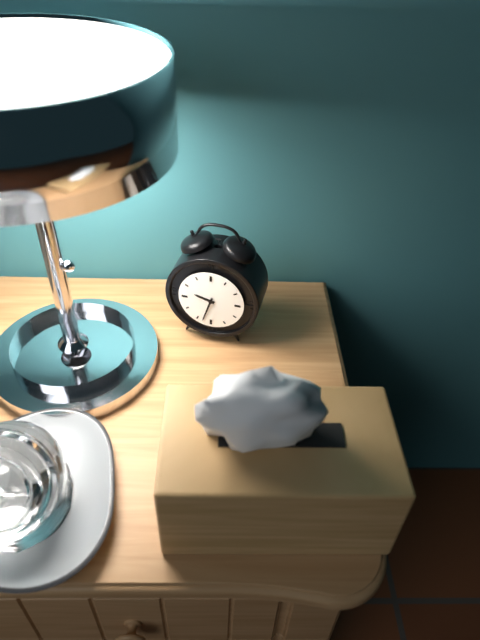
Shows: 9:33
